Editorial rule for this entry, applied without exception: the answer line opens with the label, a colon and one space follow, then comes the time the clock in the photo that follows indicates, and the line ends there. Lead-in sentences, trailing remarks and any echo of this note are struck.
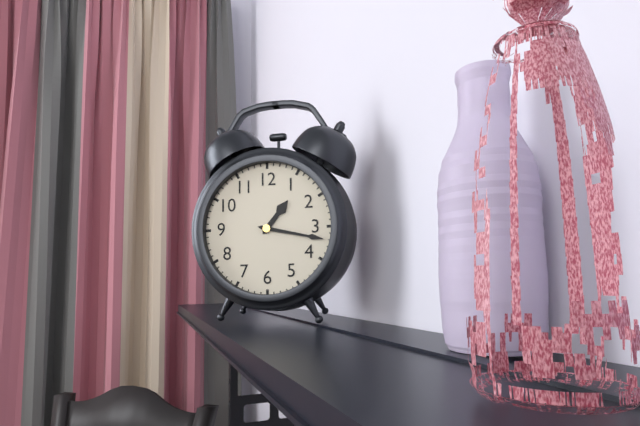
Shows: 1:17
